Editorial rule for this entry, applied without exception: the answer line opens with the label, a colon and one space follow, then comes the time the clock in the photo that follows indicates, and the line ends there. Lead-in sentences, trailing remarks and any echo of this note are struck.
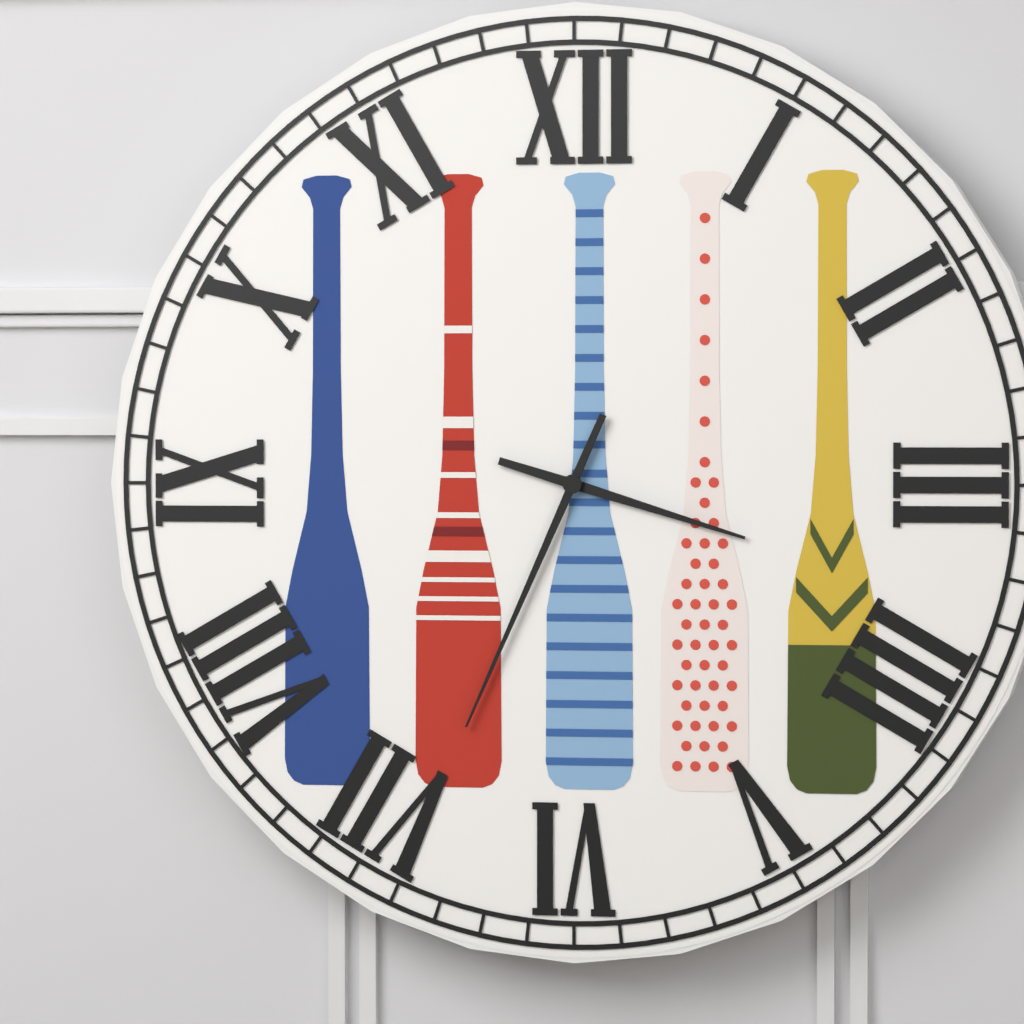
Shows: 3:34
